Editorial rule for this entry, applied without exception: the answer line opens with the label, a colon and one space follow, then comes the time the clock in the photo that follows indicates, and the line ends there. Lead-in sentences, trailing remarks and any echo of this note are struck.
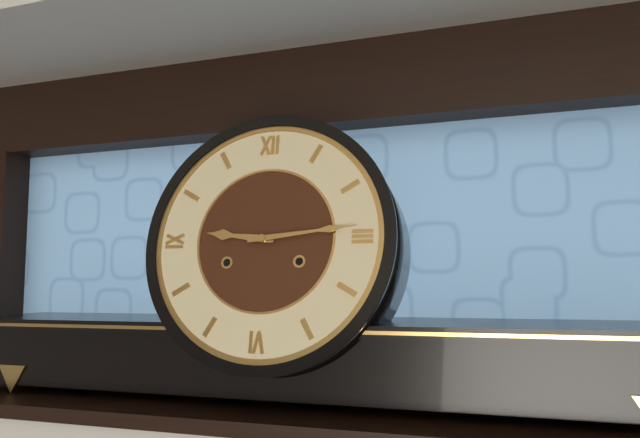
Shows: 9:14
